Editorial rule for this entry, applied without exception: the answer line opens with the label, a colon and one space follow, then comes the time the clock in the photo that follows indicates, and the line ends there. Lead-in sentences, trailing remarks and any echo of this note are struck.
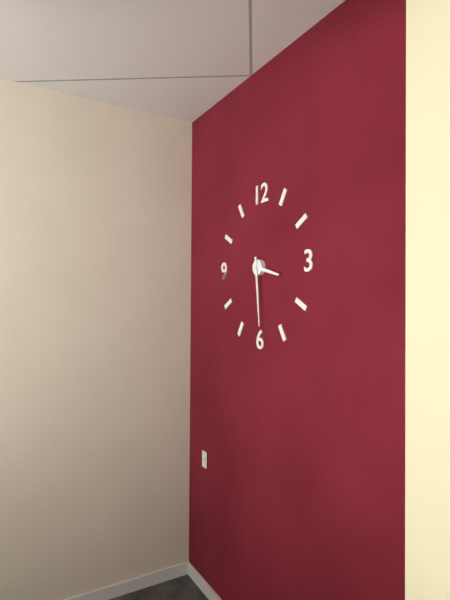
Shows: 3:29
